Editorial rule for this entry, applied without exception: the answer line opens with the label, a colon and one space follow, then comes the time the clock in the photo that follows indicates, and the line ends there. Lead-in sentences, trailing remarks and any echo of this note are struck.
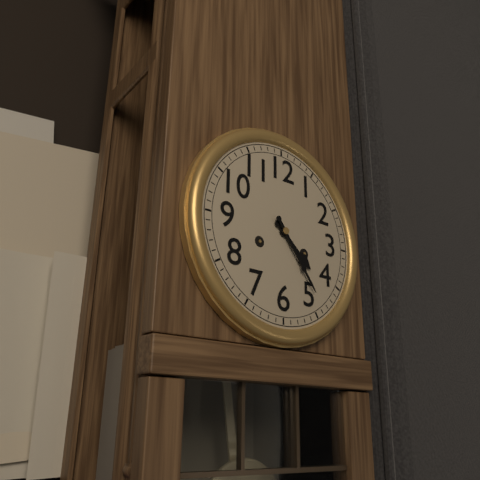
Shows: 4:24
